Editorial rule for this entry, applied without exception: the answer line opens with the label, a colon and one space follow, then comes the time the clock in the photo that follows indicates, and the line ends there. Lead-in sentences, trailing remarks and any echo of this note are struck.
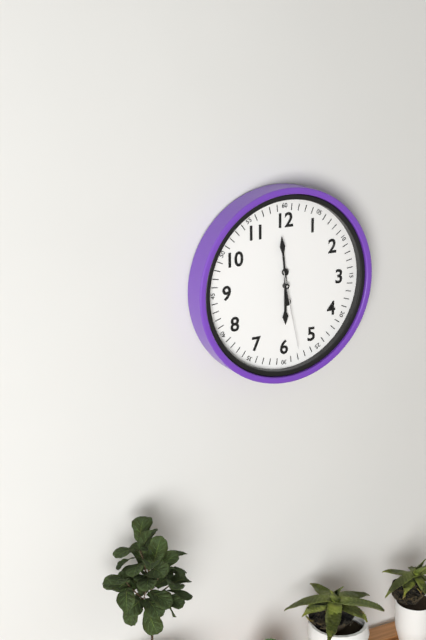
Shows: 5:59:28
